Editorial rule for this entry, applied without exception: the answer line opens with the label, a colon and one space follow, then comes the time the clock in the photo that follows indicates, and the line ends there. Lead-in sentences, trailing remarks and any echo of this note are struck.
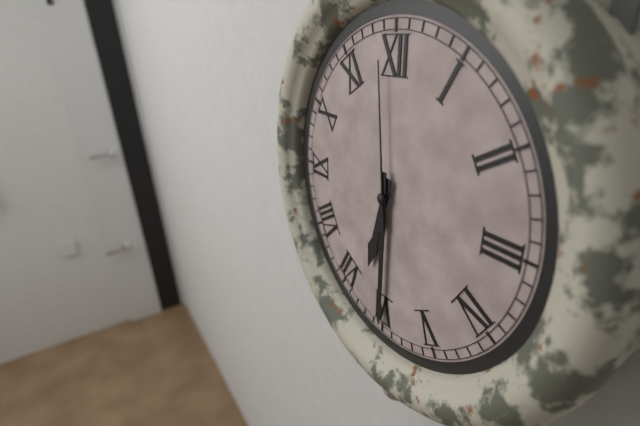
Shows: 6:30:59
